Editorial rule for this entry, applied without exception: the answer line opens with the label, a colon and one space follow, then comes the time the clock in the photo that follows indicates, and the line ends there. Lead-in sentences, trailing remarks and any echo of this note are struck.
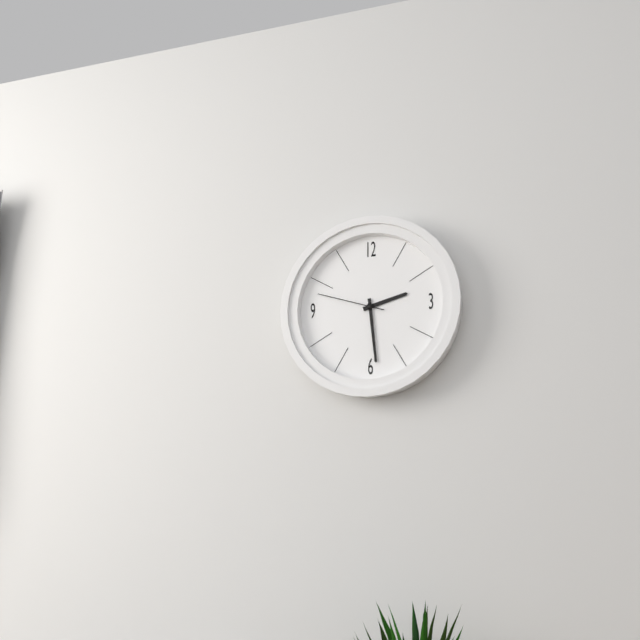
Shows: 2:29:48
